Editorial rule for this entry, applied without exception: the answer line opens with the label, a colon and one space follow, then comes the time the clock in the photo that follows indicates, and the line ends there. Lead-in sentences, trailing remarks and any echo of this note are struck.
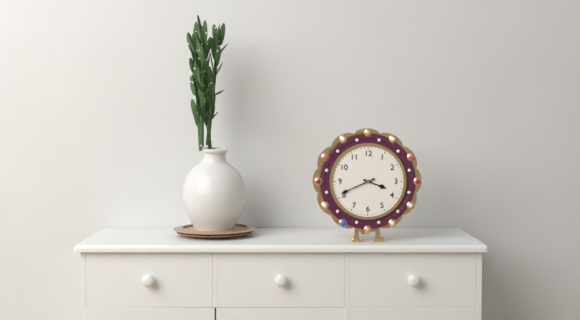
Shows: 3:41
